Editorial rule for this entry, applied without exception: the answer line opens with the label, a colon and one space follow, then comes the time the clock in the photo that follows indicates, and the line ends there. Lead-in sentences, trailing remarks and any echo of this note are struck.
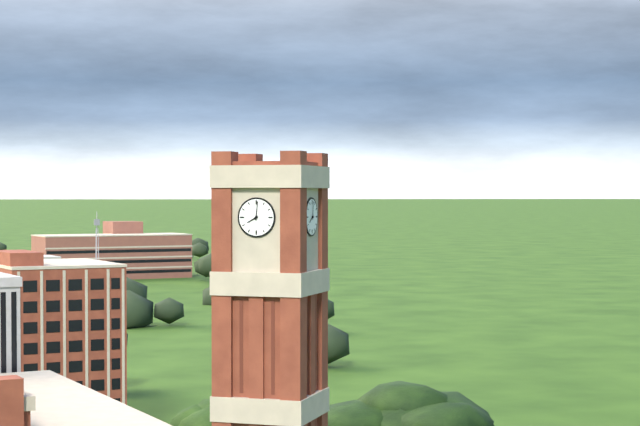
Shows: 8:01
